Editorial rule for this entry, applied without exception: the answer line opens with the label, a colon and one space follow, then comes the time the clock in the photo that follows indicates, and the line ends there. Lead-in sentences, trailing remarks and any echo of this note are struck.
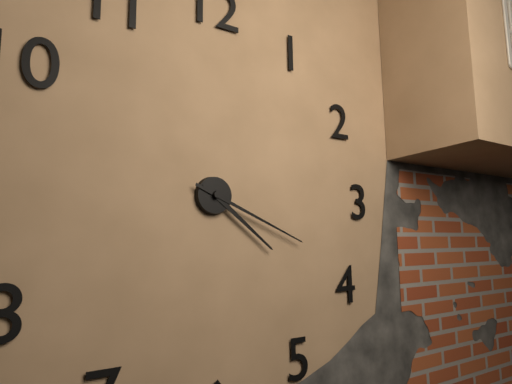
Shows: 4:19
